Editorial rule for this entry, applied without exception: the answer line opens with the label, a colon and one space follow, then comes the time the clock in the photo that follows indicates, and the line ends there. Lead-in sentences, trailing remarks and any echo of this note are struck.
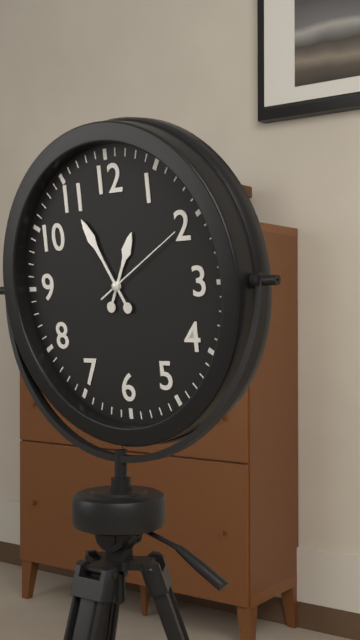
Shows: 12:55:10
